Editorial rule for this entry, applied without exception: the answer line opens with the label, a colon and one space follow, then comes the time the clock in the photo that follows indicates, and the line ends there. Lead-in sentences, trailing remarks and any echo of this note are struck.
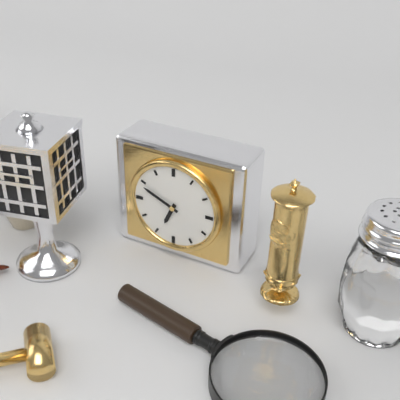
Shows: 6:49
